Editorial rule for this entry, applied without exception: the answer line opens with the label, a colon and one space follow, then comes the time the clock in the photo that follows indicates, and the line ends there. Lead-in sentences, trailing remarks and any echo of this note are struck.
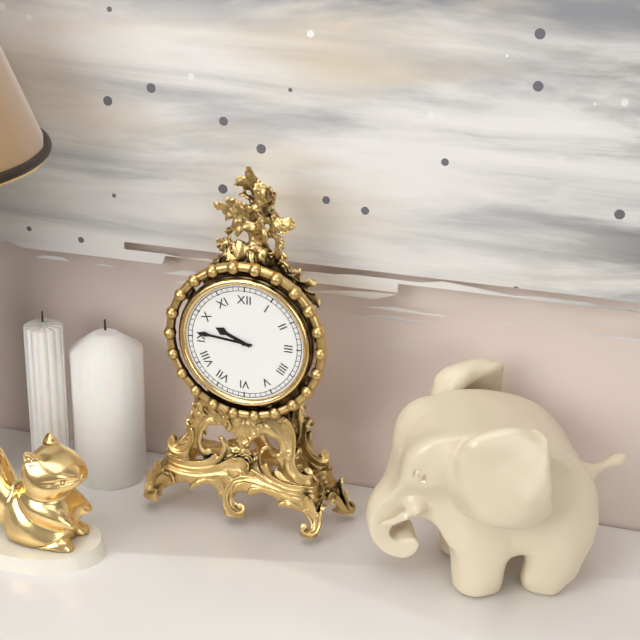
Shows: 9:46
